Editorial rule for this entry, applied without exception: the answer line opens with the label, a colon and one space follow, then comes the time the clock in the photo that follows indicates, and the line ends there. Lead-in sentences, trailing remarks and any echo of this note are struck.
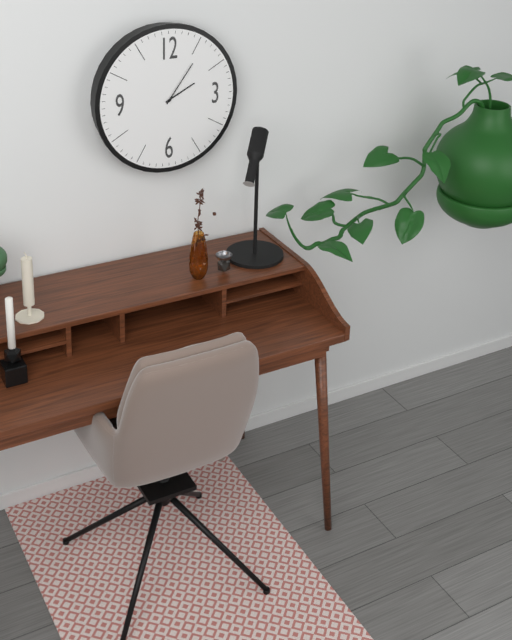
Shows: 2:06
